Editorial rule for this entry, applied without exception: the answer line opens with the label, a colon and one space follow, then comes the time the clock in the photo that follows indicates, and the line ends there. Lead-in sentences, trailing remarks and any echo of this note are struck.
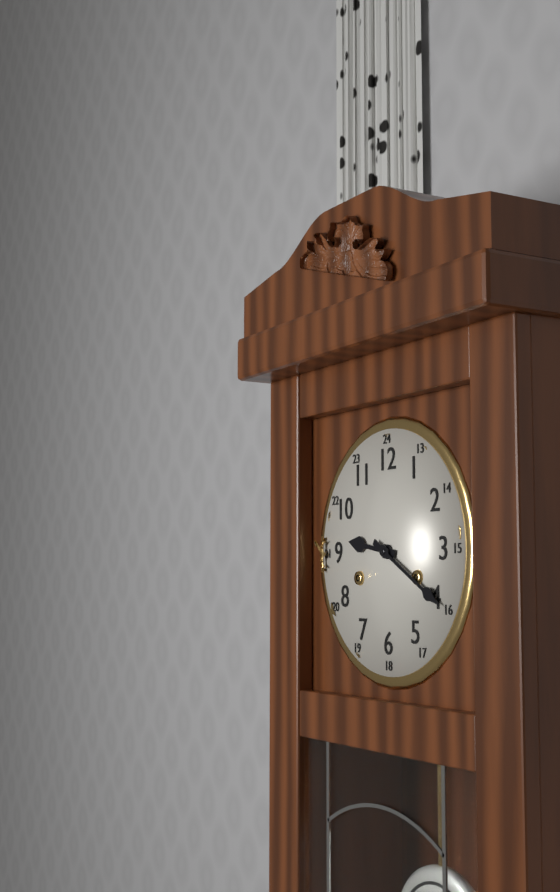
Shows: 9:20
